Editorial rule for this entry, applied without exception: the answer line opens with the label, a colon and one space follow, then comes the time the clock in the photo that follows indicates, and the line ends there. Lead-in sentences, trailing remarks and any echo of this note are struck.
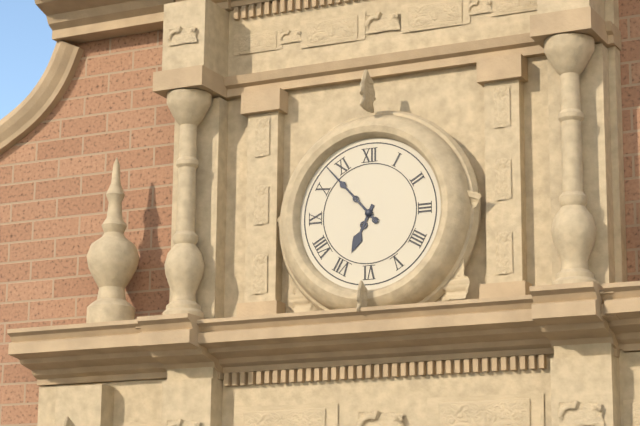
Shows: 6:53
